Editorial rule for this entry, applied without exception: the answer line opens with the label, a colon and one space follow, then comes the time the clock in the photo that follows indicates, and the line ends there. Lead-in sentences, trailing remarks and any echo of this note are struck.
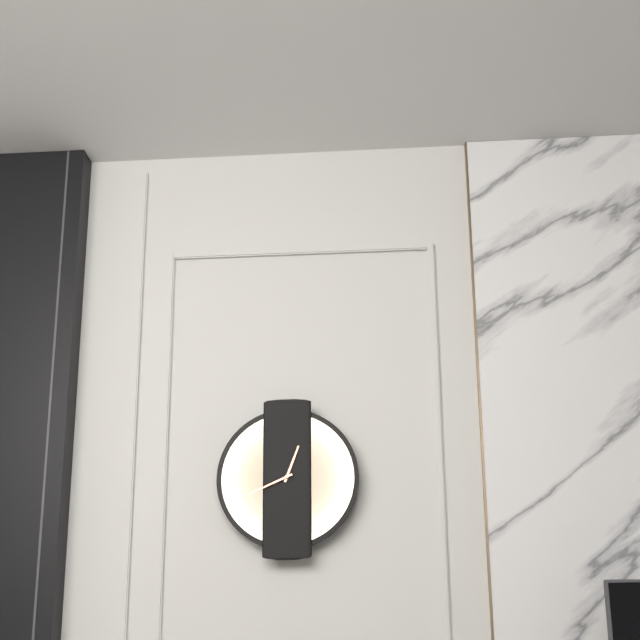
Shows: 12:41
